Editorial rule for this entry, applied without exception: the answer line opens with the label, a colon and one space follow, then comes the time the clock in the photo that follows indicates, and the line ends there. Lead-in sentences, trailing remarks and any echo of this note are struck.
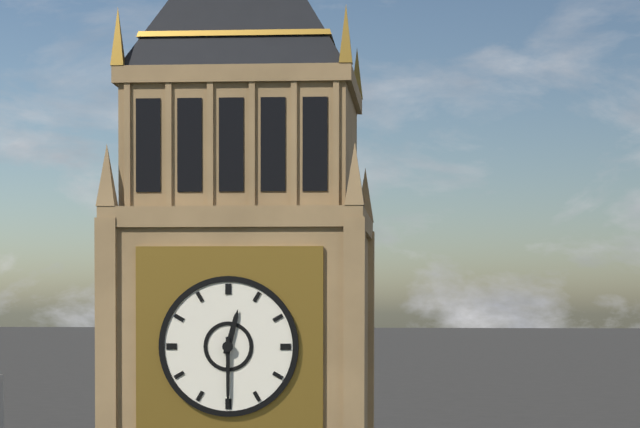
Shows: 12:30
